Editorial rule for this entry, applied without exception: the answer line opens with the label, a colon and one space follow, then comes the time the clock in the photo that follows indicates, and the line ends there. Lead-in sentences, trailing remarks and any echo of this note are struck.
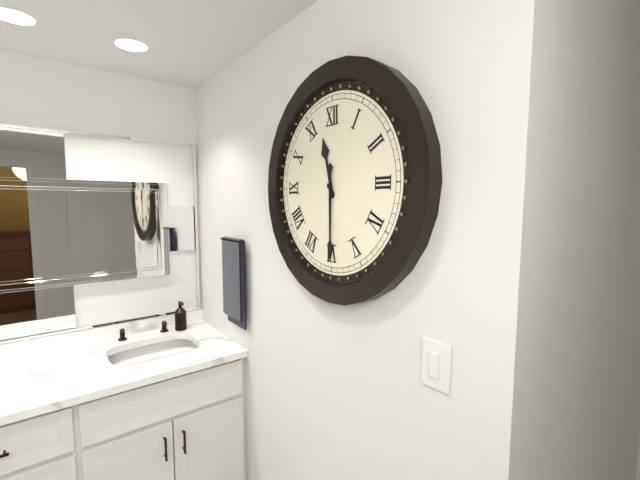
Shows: 11:30
